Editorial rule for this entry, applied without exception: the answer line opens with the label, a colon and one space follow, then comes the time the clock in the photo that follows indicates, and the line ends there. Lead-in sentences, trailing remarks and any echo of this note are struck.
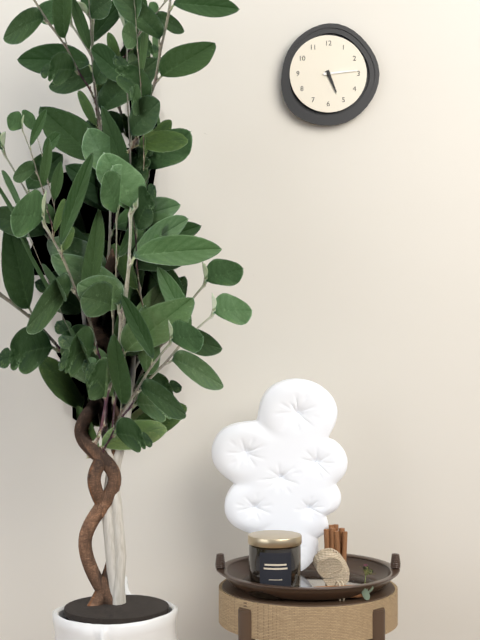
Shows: 5:14
